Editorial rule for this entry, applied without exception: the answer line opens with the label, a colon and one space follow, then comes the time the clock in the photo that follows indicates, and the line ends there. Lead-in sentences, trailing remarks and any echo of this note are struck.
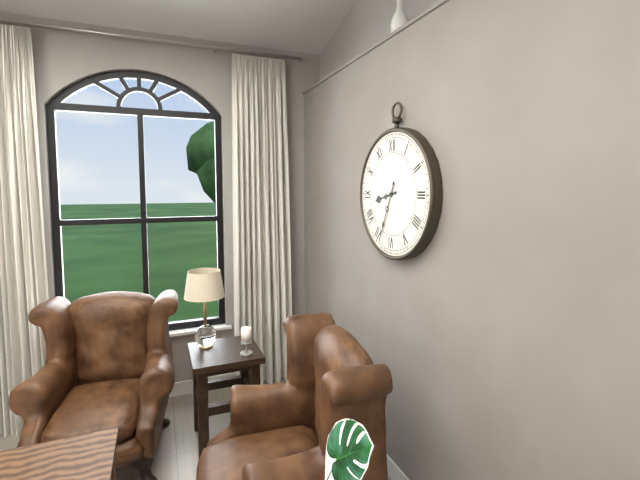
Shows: 8:34
